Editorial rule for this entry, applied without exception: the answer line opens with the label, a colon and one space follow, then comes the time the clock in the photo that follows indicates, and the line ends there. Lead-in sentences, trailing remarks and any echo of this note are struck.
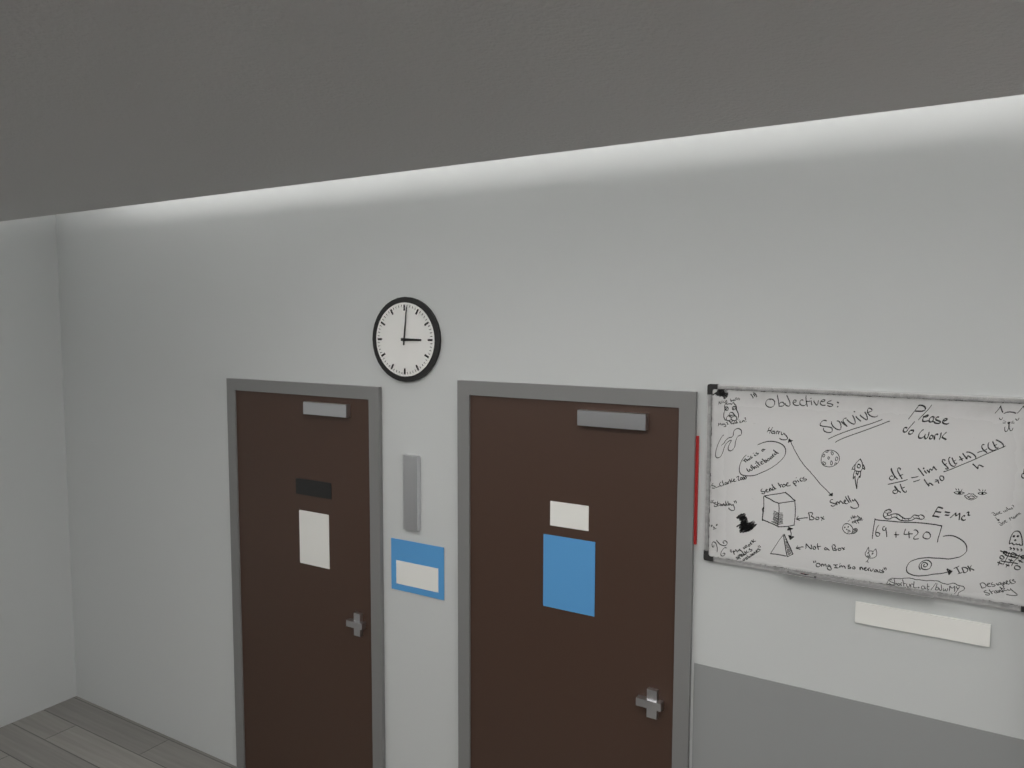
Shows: 3:01
